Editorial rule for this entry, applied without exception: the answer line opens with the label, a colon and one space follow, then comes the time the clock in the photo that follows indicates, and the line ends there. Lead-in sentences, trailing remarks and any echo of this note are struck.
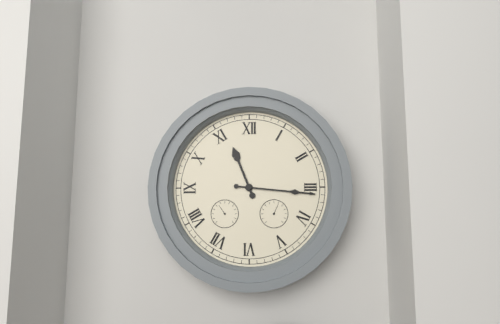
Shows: 11:16
